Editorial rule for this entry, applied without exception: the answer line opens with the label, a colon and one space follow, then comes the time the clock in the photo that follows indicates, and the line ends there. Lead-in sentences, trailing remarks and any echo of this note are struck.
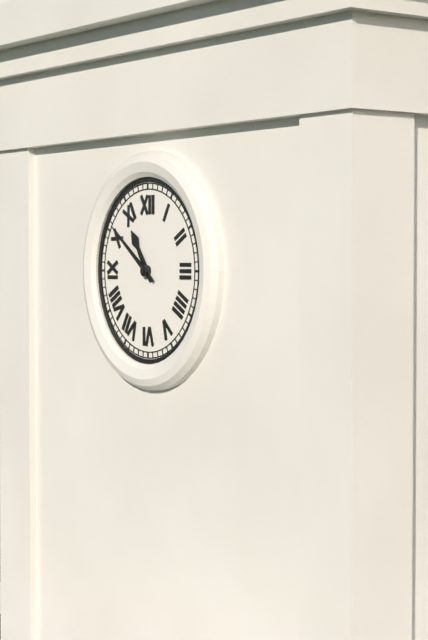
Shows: 10:51
